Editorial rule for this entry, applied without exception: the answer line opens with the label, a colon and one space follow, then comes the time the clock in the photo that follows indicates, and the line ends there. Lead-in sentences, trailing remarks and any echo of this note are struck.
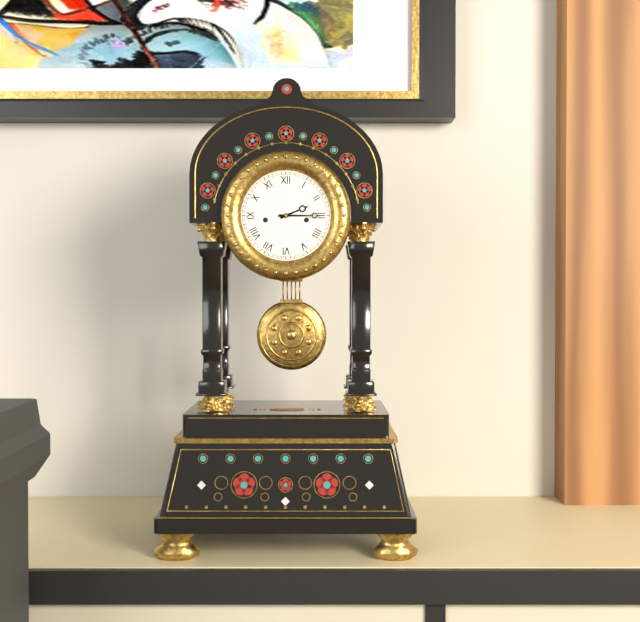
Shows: 2:15
